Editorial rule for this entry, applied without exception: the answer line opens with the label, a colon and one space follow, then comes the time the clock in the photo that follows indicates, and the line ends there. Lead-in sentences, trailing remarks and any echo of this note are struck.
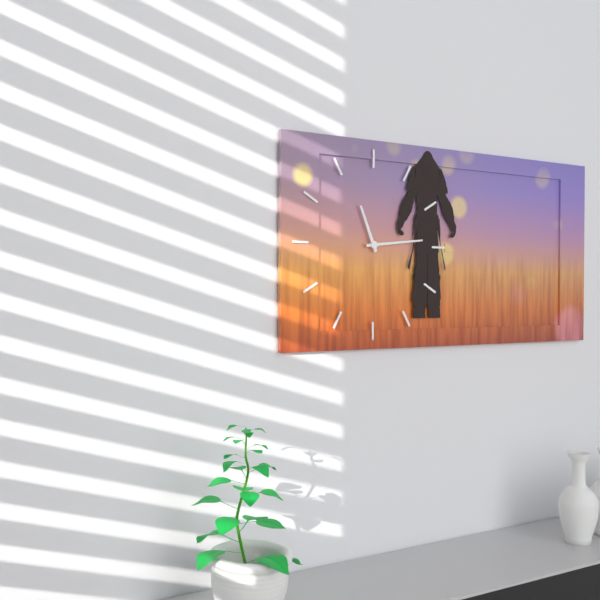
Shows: 11:14
